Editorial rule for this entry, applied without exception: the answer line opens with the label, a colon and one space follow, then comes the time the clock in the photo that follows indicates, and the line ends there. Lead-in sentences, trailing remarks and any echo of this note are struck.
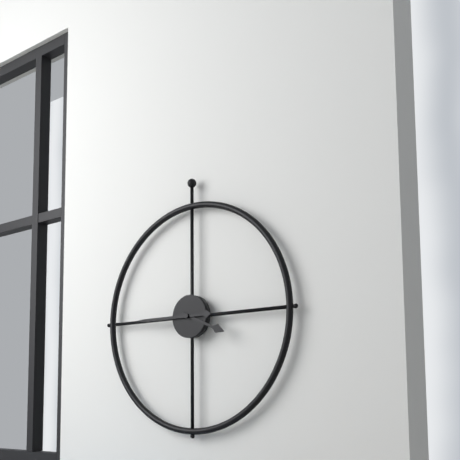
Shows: 3:45
